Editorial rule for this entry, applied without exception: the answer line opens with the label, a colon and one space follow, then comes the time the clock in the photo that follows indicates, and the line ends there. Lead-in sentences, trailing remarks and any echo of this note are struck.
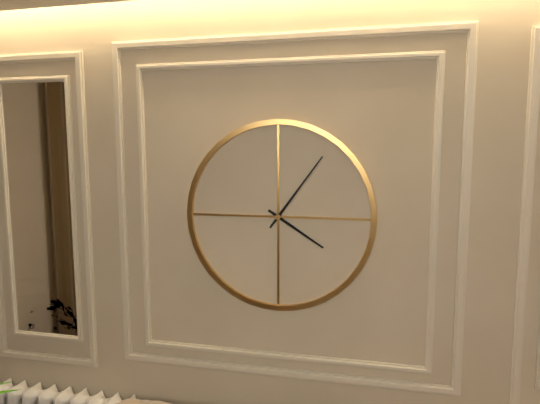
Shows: 4:06
